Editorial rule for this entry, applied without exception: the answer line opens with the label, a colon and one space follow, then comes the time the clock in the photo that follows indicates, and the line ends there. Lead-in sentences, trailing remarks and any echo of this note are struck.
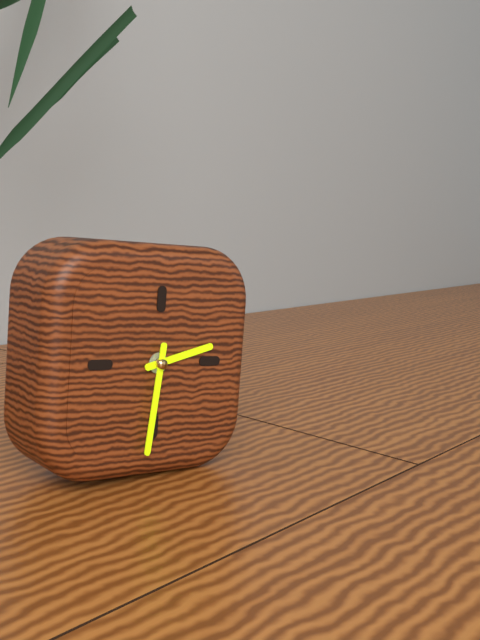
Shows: 2:31
